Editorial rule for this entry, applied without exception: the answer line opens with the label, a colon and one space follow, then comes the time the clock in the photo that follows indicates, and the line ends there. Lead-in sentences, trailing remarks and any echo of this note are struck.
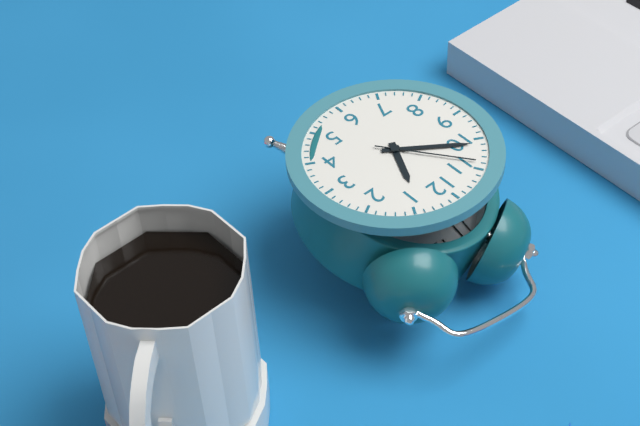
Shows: 12:51:54
